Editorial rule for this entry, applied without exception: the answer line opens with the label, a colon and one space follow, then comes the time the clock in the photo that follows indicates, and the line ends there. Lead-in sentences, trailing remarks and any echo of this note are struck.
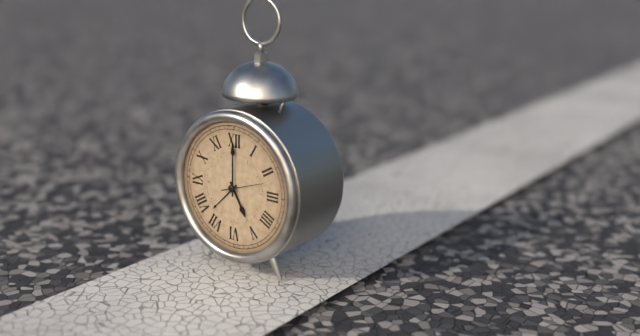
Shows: 5:00
